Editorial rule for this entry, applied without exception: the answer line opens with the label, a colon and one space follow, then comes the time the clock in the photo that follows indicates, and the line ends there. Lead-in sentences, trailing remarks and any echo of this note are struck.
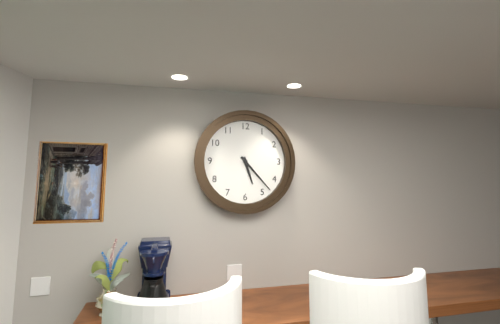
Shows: 5:23
